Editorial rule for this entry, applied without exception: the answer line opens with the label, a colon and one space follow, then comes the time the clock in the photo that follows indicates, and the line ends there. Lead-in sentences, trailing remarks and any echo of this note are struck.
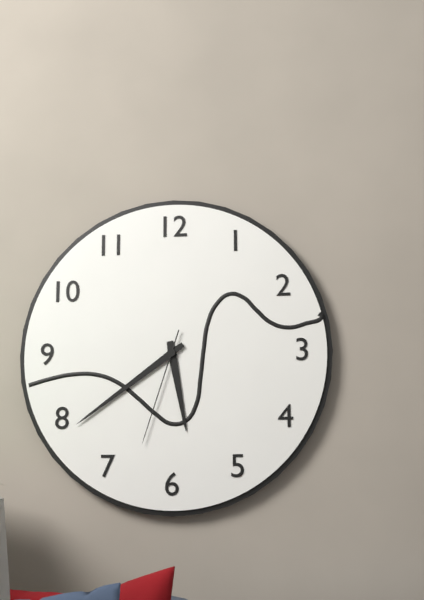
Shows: 5:39:33
